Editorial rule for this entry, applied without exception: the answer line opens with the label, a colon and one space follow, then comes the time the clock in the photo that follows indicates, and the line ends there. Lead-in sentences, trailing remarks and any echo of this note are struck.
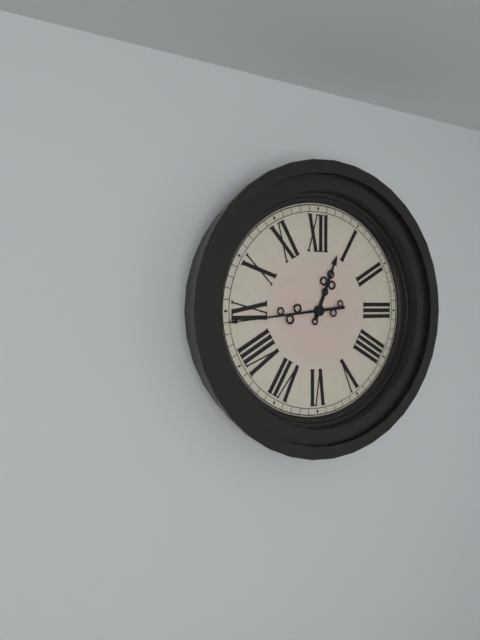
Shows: 12:44
